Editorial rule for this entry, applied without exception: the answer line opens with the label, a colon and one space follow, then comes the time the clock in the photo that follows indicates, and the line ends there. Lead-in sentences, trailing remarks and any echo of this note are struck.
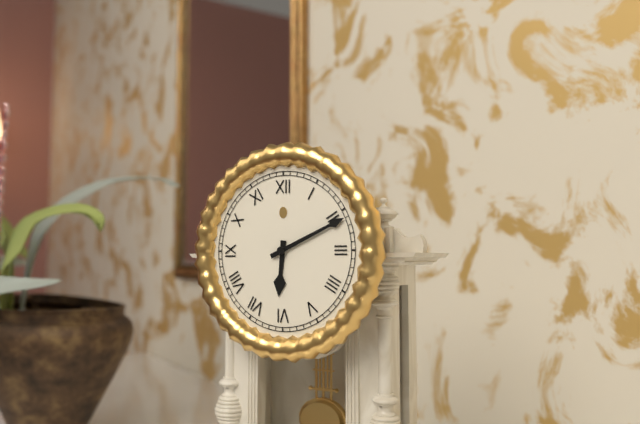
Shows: 6:11
